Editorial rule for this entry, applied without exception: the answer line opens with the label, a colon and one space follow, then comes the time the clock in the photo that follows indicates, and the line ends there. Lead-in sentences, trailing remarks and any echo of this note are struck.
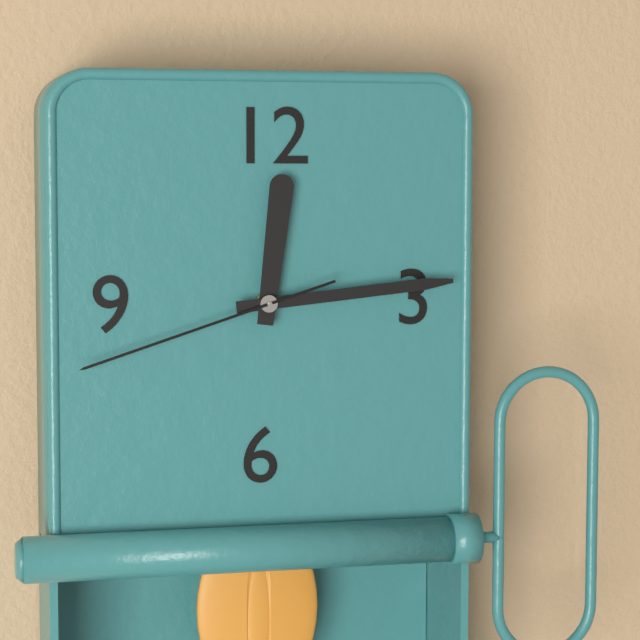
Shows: 12:14:42
